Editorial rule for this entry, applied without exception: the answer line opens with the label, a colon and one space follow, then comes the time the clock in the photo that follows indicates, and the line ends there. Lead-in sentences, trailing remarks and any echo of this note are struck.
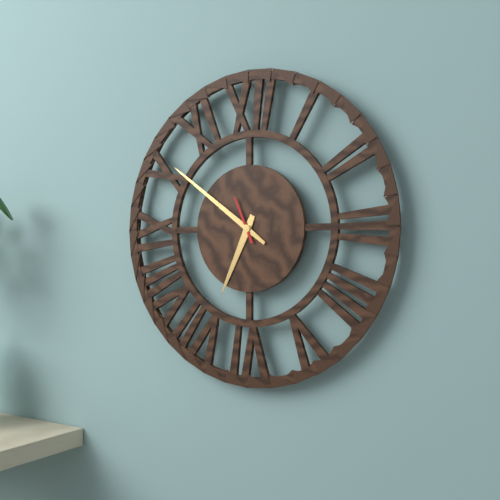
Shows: 6:51
